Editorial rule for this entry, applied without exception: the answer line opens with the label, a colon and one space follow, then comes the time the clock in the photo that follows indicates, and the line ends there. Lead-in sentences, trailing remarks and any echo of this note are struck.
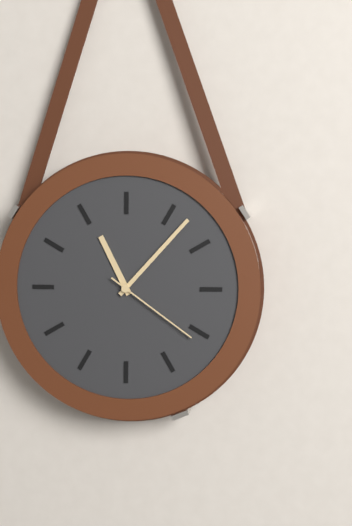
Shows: 11:07:21
